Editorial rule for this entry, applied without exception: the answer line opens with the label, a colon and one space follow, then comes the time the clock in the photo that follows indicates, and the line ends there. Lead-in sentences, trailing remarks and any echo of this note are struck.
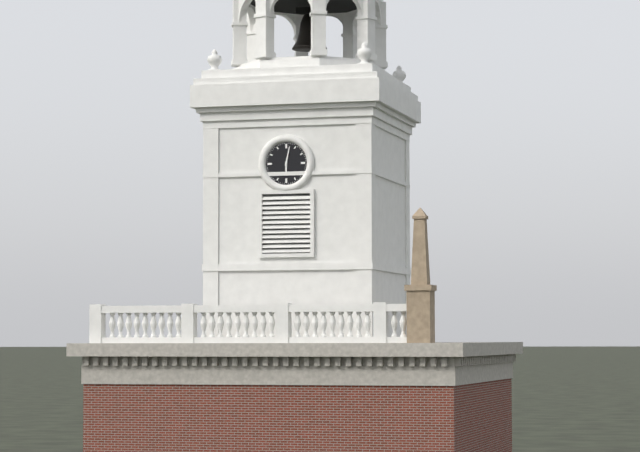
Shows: 6:02
